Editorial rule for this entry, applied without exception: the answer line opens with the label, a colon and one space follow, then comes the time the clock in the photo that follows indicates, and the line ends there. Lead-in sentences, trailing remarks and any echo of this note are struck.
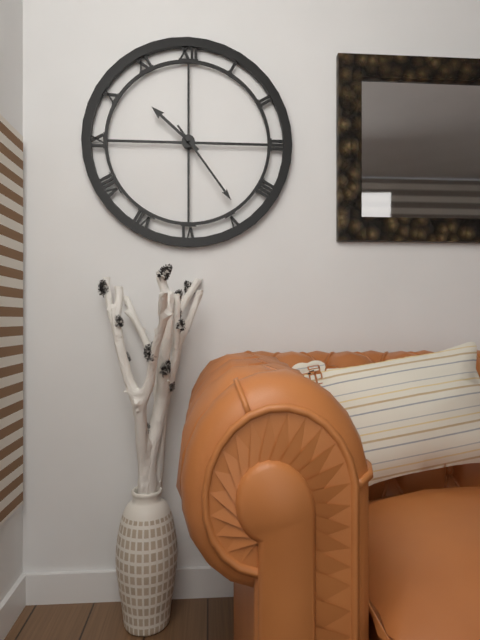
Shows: 10:24
